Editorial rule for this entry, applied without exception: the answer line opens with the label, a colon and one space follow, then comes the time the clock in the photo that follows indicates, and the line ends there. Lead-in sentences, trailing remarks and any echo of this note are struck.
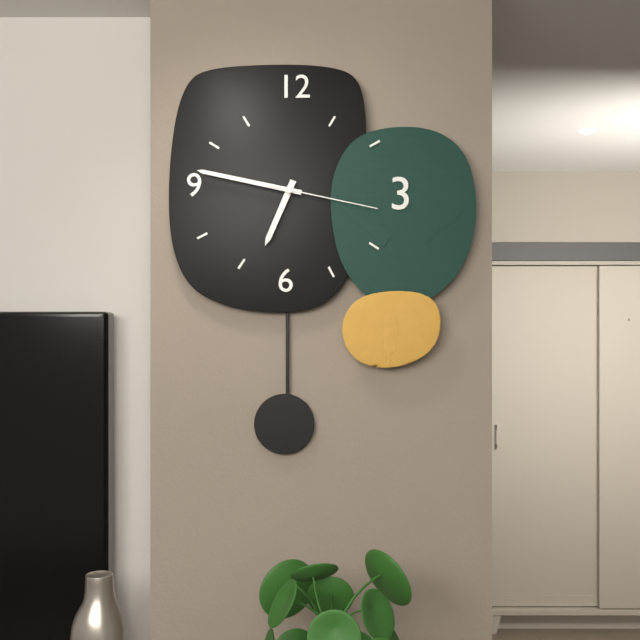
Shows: 6:47:17
